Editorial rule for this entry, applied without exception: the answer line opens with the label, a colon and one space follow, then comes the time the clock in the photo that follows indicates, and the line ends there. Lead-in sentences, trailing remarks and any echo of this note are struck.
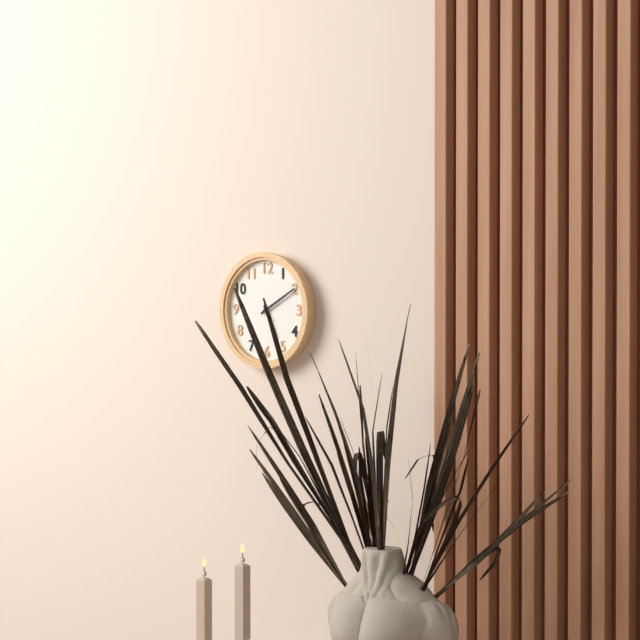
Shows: 5:10
